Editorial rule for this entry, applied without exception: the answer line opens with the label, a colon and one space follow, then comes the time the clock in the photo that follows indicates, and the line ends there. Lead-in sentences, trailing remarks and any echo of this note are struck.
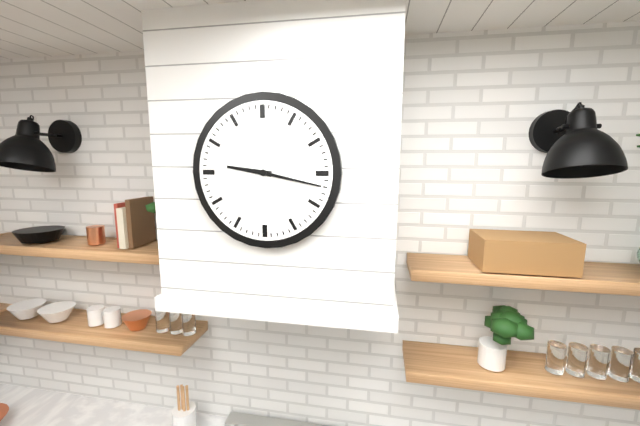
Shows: 9:17
